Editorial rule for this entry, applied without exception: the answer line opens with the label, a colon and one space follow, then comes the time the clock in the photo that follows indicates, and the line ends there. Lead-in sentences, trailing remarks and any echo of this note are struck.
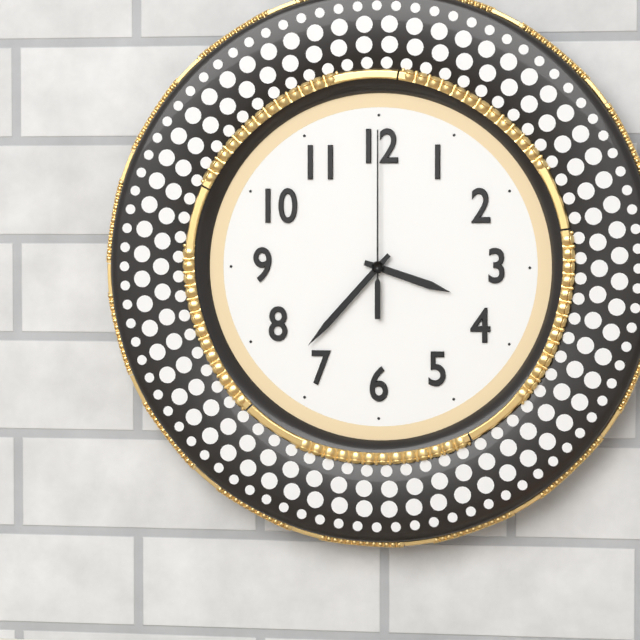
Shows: 3:37:00
